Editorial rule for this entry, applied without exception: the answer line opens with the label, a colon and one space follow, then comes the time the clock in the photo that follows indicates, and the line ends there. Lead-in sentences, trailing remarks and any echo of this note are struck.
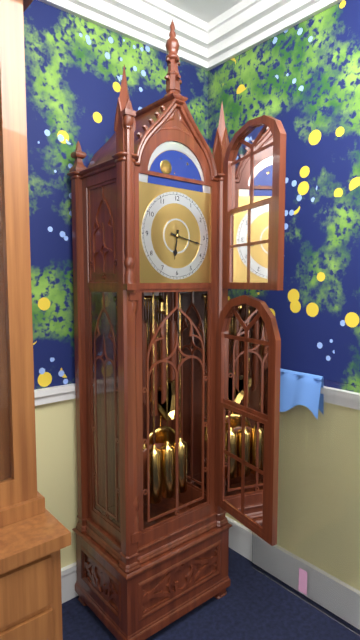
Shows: 6:17
